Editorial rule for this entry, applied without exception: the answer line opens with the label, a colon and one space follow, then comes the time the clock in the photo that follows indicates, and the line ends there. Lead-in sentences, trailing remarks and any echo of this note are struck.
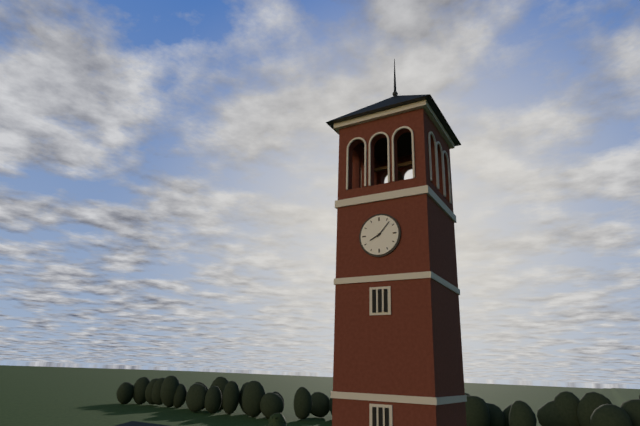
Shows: 8:07
